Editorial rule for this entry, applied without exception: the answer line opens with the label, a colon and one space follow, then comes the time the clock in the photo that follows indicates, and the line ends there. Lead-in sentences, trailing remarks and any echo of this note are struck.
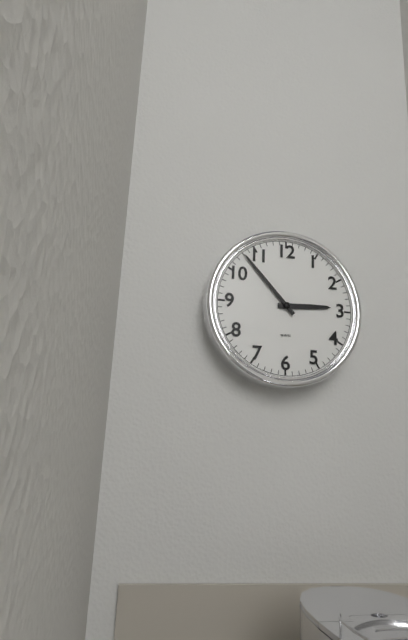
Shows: 2:53
